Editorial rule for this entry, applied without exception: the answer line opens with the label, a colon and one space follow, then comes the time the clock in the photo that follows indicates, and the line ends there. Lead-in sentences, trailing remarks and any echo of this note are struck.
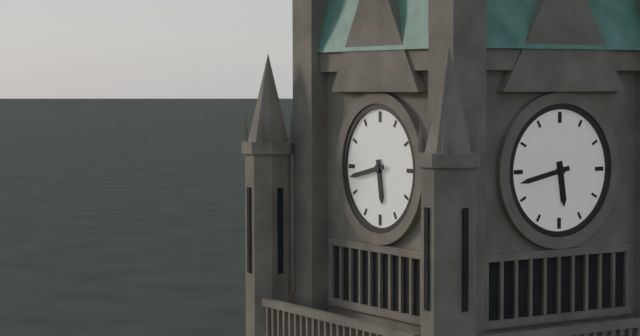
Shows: 5:43
